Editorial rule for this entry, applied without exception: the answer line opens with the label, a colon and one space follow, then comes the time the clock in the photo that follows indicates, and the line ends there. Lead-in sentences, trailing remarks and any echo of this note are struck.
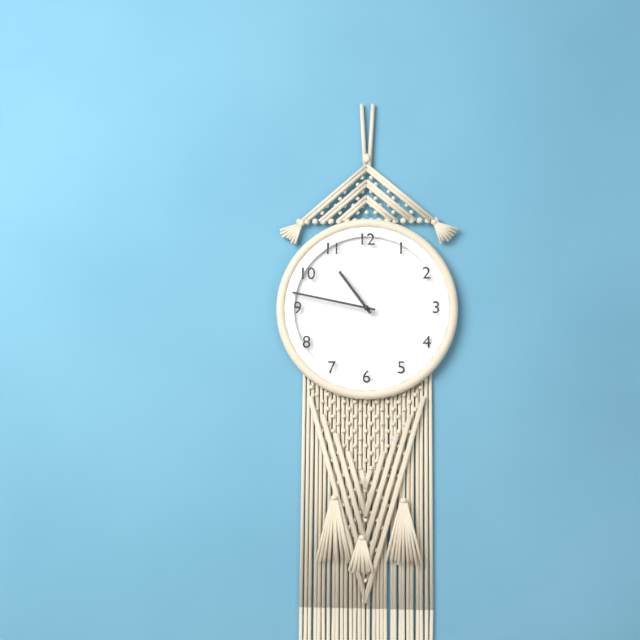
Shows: 10:47
